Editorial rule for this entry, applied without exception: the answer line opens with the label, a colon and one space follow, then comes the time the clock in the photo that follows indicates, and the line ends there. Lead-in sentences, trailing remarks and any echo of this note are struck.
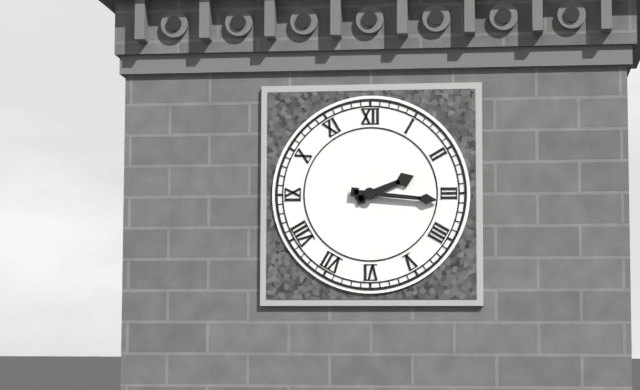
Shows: 2:16
